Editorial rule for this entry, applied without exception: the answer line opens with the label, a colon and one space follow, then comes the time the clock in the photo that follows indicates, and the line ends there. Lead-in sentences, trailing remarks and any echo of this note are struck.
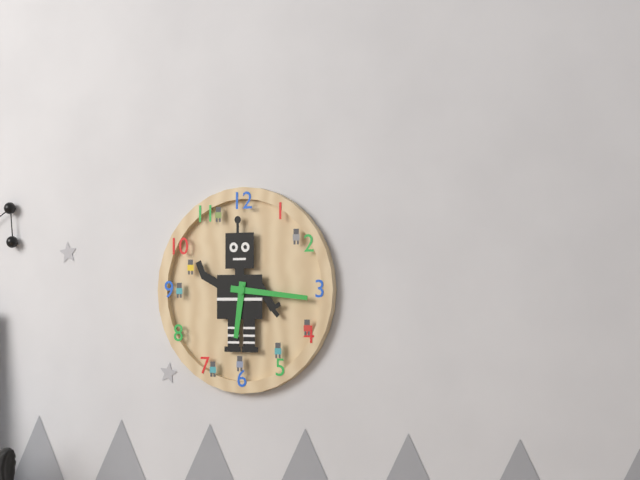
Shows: 6:16
